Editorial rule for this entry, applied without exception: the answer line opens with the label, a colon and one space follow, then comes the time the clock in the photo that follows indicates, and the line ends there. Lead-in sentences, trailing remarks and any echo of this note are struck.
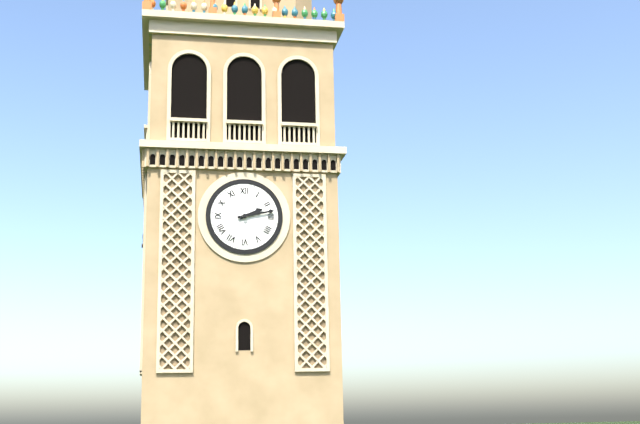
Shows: 2:13
